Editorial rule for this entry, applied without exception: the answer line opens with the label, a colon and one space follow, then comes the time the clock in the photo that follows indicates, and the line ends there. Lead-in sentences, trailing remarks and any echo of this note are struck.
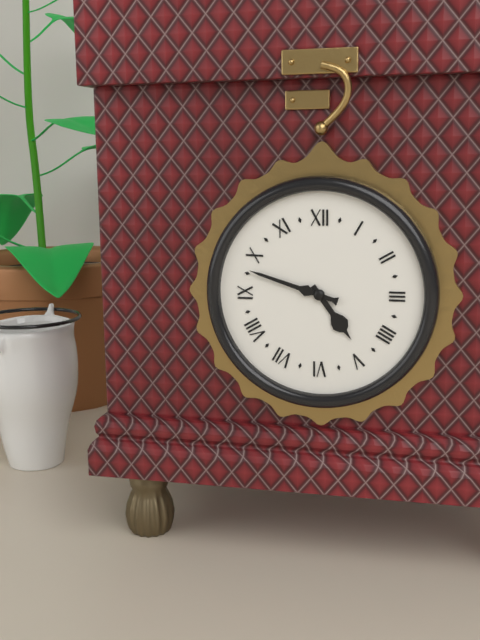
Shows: 4:48
